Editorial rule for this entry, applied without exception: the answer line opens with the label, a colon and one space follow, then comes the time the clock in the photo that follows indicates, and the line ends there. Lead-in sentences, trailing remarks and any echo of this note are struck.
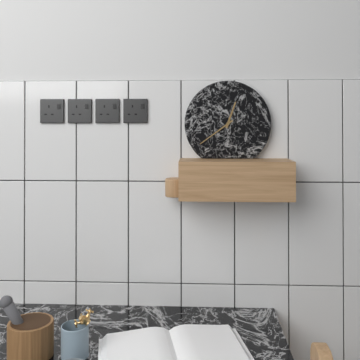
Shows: 12:39
